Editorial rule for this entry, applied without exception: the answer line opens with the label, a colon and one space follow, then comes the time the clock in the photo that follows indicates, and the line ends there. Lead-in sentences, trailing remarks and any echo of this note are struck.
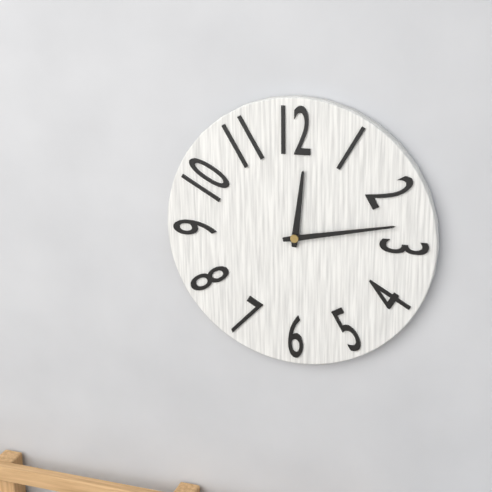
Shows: 12:13
